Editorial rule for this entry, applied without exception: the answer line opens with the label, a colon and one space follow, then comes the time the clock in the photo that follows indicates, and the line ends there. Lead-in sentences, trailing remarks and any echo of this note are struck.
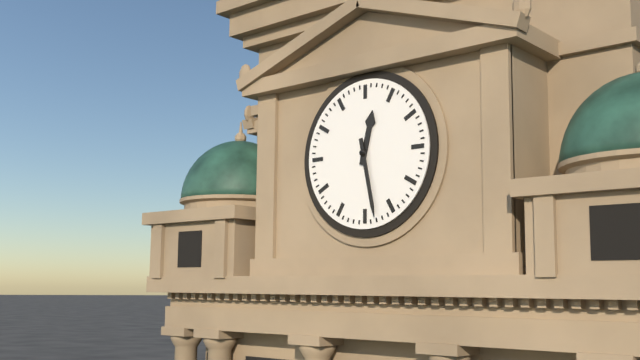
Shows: 12:28
